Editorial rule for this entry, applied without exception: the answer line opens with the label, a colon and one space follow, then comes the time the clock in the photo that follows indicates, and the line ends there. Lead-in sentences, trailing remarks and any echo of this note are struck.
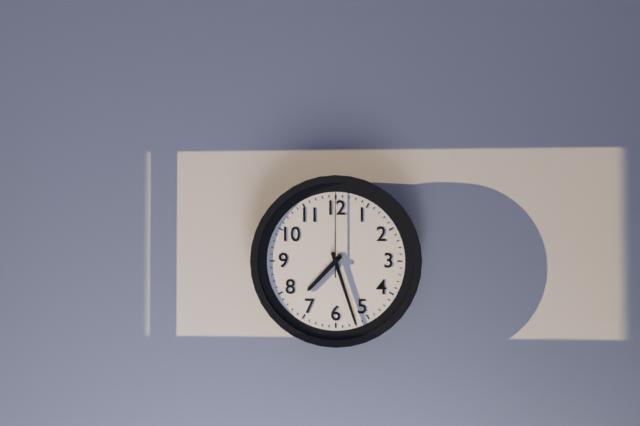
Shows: 7:27:00
